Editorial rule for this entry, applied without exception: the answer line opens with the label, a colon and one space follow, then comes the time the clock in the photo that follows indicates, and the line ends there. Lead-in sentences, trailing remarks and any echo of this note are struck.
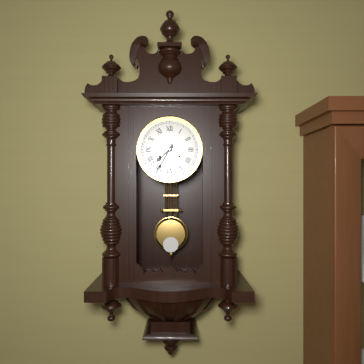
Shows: 7:35
